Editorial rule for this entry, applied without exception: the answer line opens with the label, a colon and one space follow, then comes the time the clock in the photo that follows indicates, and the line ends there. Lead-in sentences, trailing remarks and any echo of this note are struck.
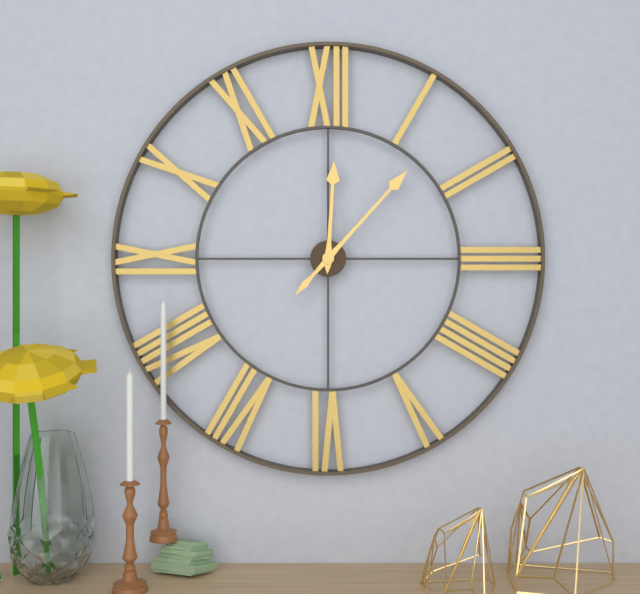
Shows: 12:07
